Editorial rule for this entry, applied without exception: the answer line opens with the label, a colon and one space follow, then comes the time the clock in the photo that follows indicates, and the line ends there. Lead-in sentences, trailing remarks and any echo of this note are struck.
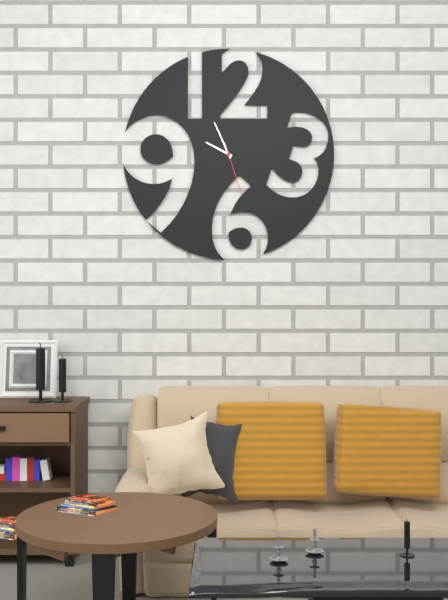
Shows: 9:56:27
